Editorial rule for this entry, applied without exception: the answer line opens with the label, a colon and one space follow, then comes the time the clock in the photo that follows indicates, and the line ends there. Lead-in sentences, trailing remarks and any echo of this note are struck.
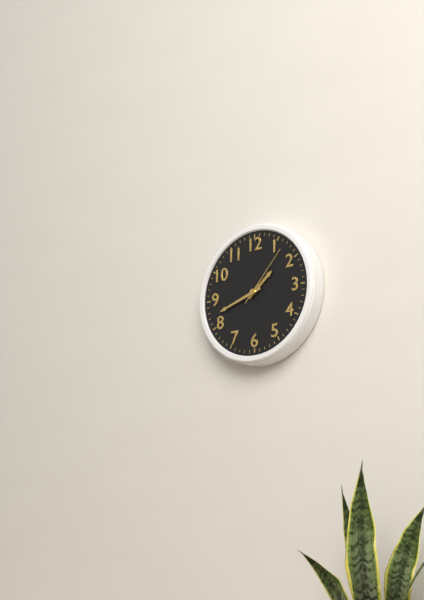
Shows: 1:42:07
